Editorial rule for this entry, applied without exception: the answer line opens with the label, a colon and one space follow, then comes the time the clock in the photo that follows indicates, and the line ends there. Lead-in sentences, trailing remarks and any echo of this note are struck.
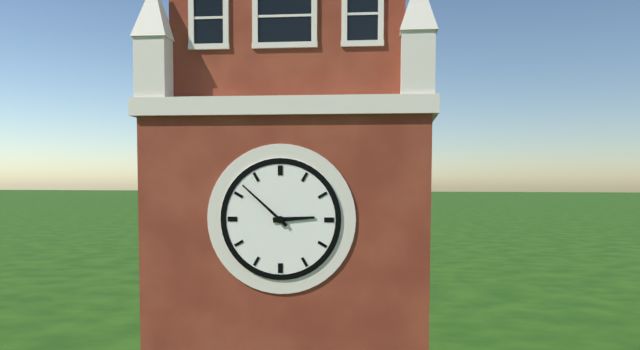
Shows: 2:52
